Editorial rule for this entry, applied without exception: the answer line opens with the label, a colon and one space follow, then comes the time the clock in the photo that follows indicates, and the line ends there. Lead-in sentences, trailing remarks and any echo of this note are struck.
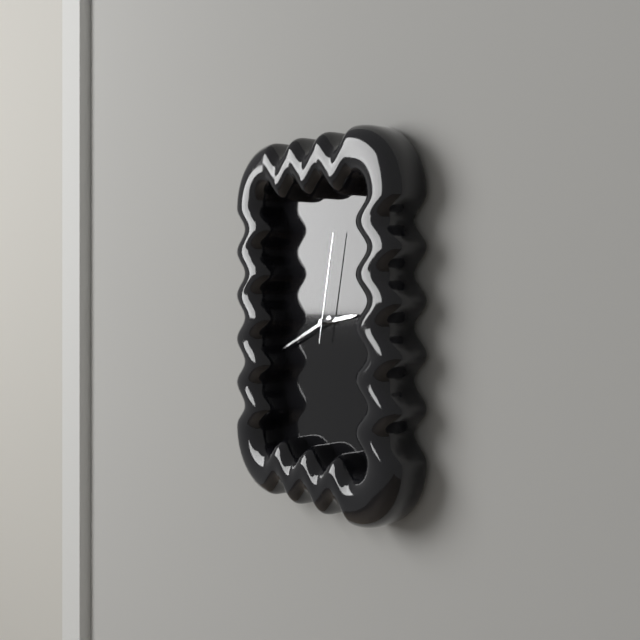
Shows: 2:41:02
